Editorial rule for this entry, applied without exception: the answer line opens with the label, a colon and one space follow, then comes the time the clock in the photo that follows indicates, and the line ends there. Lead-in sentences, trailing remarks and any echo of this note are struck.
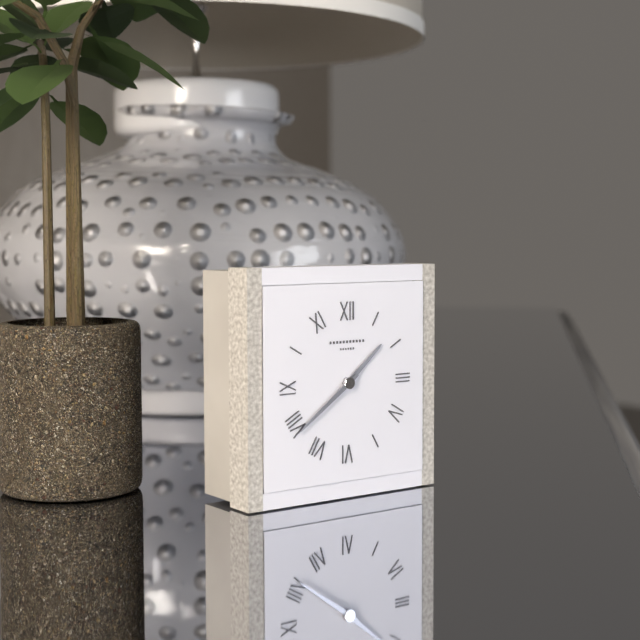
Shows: 1:39
